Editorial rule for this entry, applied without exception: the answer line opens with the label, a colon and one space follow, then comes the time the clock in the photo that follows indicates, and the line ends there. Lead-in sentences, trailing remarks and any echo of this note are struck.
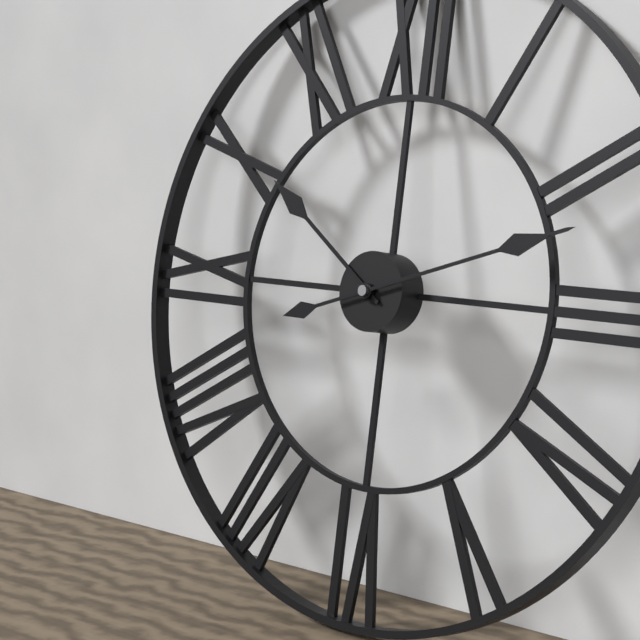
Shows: 10:12
